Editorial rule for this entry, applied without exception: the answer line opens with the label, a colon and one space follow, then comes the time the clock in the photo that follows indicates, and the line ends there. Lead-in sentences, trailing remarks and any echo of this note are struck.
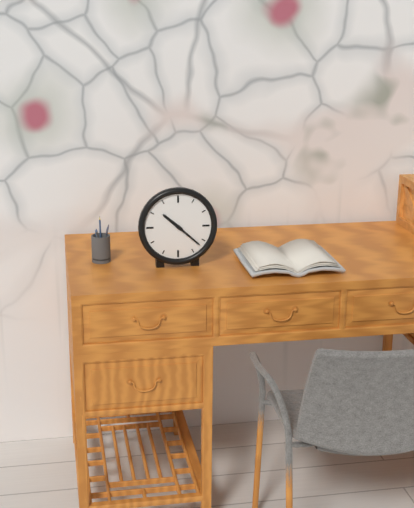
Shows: 10:22
